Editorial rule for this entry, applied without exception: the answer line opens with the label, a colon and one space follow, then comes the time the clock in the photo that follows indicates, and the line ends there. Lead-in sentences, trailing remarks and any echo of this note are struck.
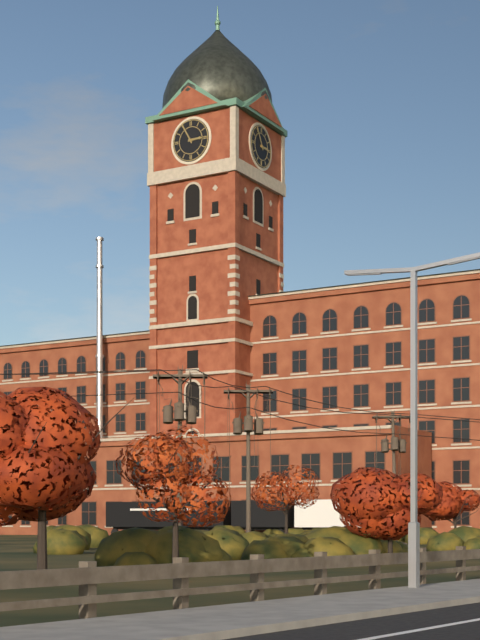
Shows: 2:55
